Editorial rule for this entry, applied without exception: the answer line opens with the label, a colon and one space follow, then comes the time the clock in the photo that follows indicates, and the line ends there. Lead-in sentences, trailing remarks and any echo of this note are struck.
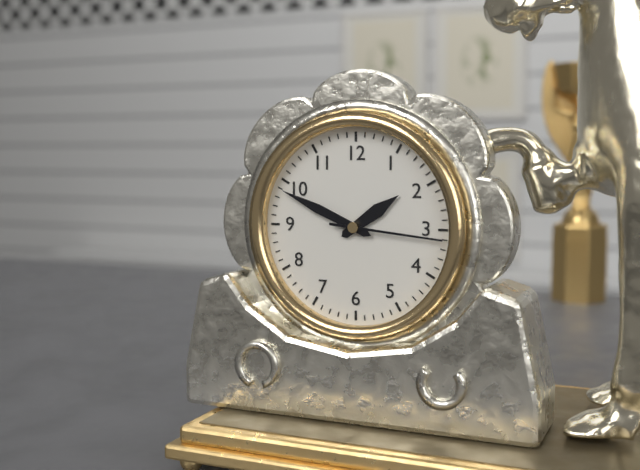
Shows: 1:49:16
